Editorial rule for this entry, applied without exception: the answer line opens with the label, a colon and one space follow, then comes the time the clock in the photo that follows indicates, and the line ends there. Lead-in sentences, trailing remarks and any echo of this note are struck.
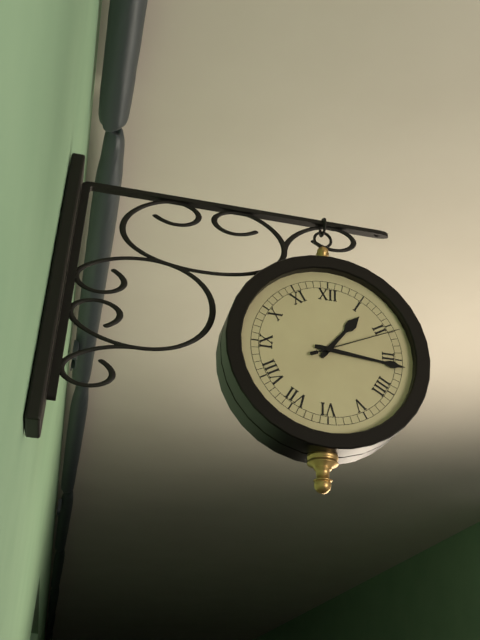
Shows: 1:16:11
